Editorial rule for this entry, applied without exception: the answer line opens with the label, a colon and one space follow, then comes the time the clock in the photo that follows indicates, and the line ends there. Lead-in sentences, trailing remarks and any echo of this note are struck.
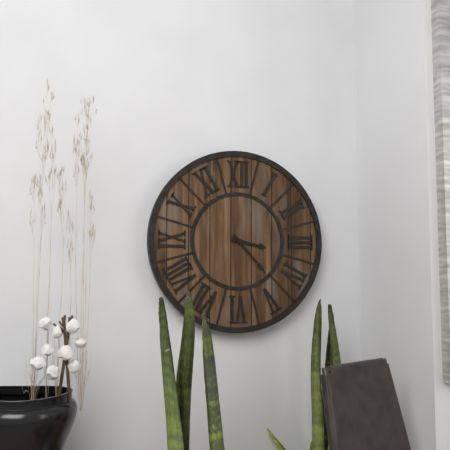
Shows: 3:23
